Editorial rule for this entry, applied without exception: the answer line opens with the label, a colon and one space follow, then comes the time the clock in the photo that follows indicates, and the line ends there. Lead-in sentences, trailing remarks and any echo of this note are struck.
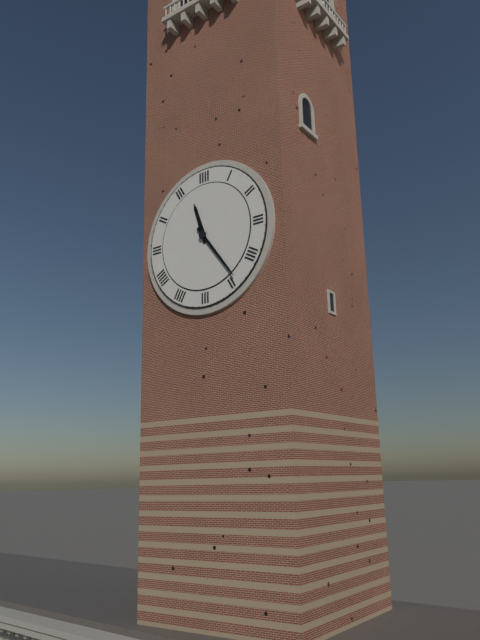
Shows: 11:24
